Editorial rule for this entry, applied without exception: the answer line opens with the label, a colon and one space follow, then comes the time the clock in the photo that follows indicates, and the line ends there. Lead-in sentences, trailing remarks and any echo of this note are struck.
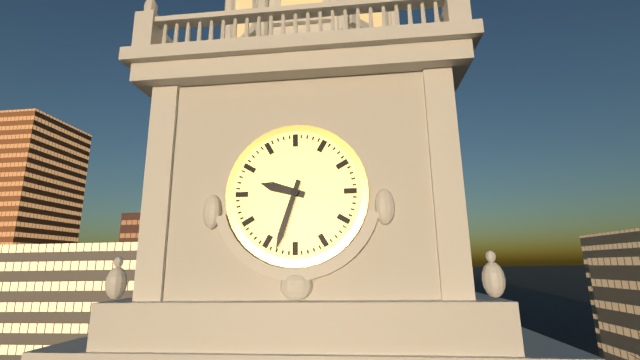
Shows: 9:33
